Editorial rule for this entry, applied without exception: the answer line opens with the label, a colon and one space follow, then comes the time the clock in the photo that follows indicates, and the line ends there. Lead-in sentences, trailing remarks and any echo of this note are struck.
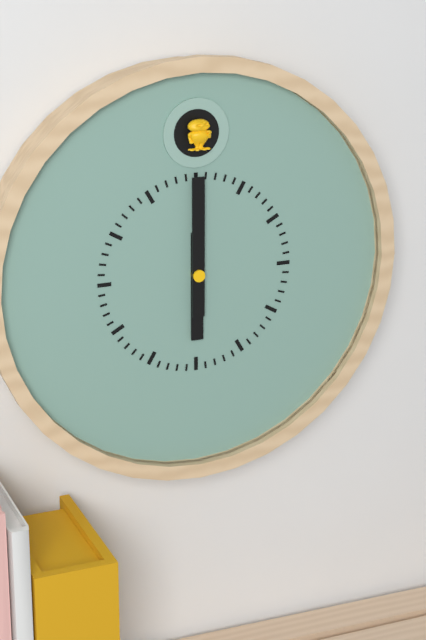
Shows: 6:00
